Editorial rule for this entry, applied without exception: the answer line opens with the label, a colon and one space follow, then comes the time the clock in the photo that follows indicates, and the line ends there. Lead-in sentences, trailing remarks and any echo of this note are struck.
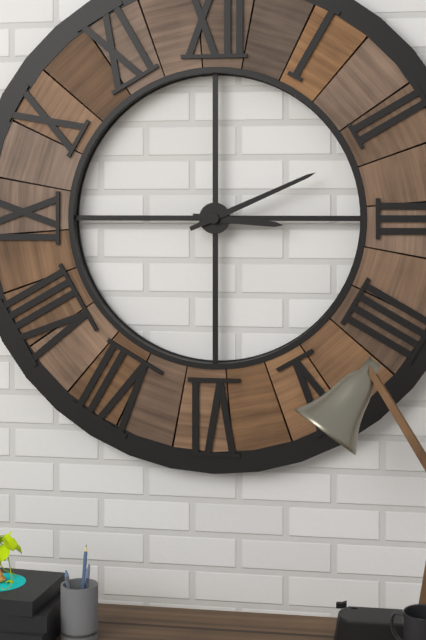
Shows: 3:11
